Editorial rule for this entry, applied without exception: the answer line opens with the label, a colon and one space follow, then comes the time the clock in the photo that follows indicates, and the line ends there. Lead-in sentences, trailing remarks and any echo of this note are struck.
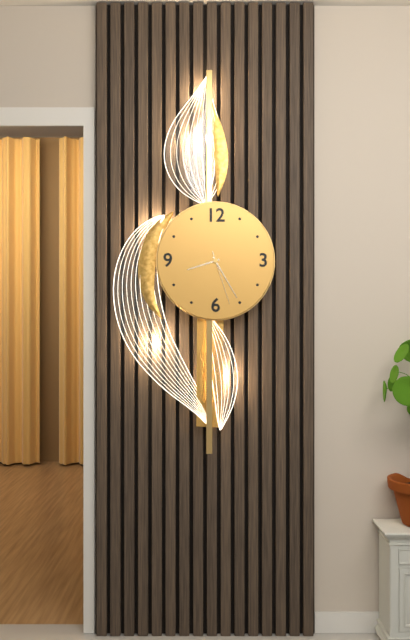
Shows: 8:25:27
